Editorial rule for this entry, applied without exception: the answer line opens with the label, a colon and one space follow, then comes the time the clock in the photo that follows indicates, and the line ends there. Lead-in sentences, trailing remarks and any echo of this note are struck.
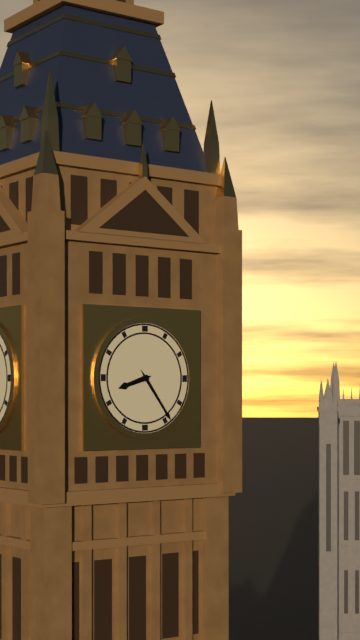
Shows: 8:24
